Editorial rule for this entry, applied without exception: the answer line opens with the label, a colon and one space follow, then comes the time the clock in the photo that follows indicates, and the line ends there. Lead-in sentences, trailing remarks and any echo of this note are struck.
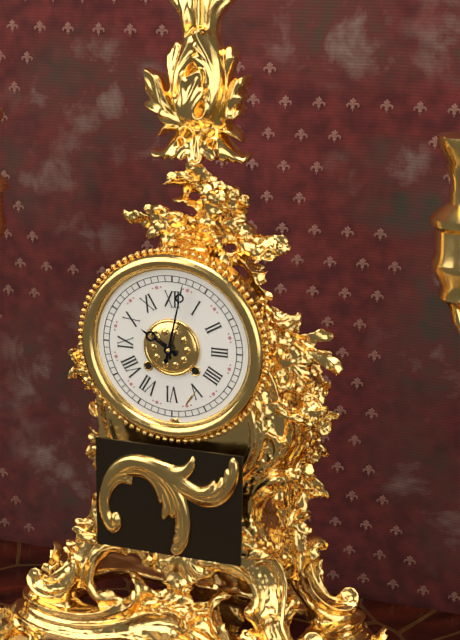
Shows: 10:02
